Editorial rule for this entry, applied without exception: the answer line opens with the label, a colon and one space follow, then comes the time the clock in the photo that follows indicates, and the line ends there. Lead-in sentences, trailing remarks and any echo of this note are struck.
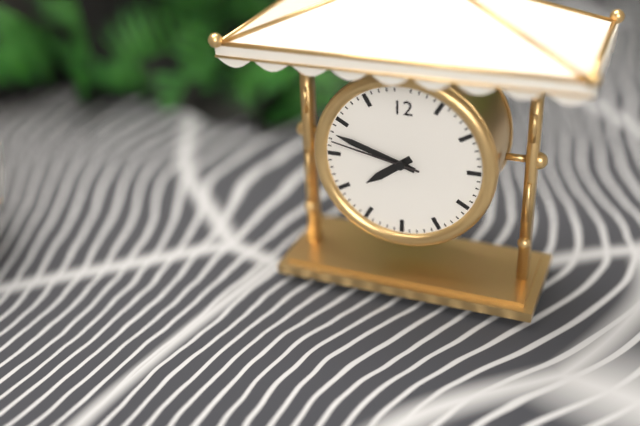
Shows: 7:48:47
